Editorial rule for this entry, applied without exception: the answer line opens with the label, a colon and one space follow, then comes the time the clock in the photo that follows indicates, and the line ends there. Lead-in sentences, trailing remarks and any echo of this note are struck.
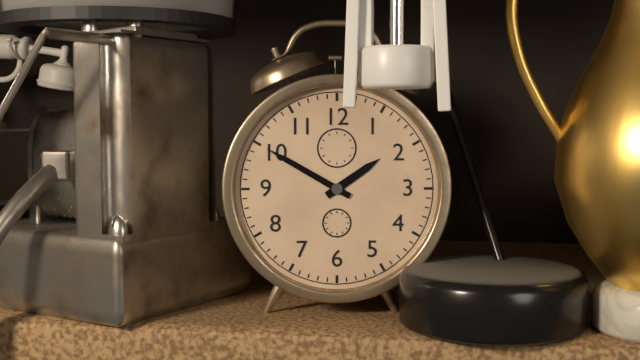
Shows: 1:50
